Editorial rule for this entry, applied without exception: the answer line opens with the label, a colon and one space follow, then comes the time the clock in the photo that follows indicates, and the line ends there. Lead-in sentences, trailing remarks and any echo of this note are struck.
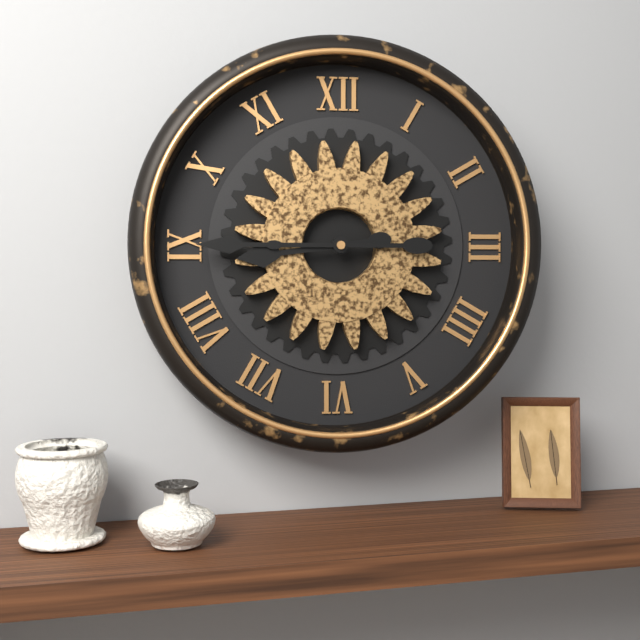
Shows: 8:45
